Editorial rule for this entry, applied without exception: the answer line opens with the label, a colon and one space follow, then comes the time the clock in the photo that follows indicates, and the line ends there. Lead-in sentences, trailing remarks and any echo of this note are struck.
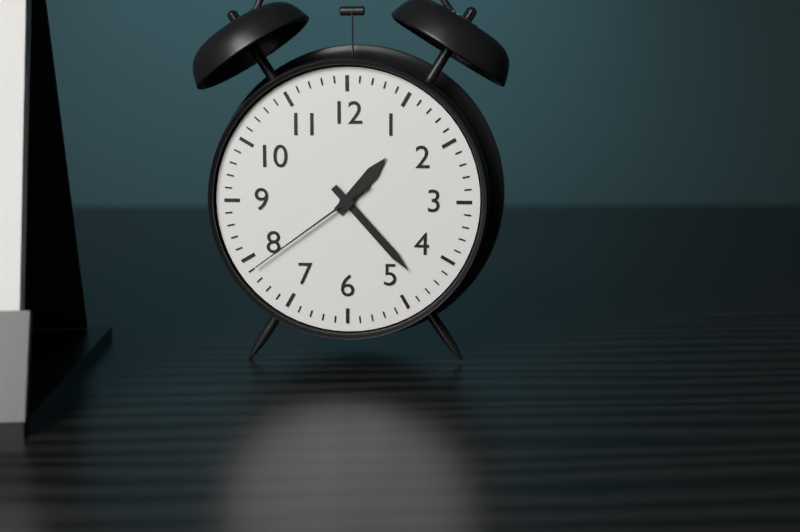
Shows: 1:23:39
